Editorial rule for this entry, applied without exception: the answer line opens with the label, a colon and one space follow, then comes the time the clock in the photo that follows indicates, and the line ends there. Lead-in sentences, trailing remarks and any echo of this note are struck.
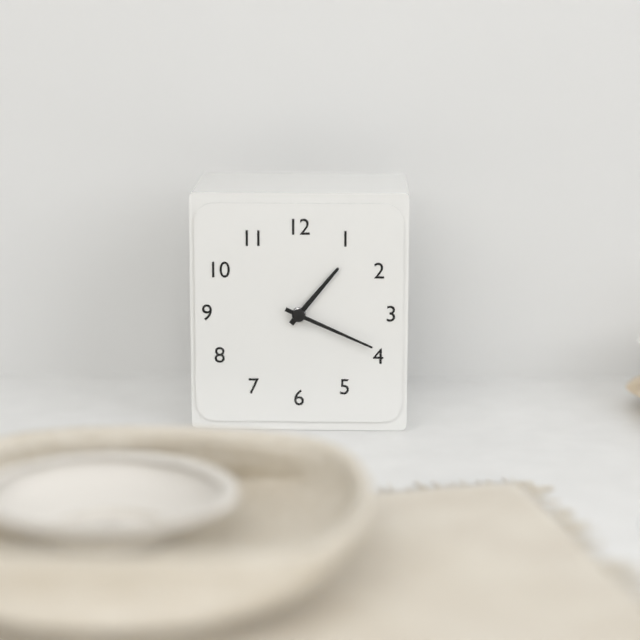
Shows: 1:19
